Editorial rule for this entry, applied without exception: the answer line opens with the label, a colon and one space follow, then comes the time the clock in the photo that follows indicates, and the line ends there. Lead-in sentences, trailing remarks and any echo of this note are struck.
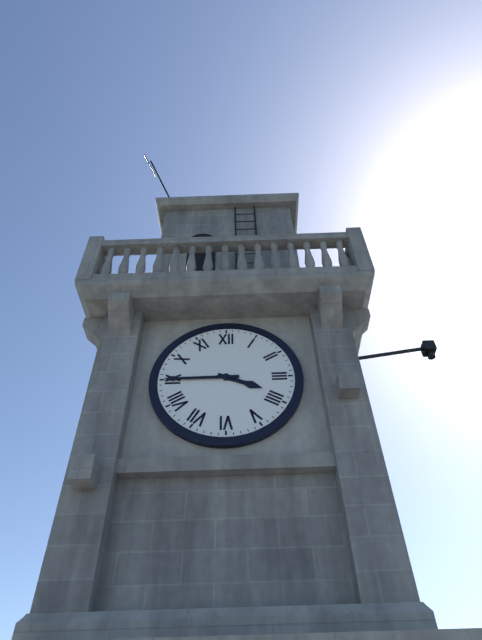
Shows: 3:45
